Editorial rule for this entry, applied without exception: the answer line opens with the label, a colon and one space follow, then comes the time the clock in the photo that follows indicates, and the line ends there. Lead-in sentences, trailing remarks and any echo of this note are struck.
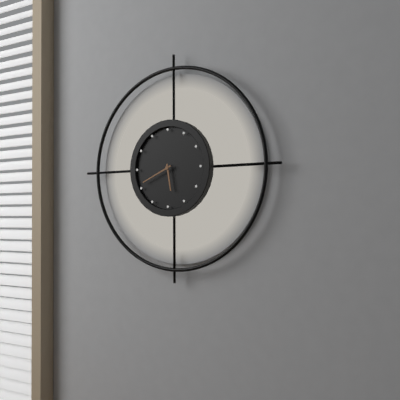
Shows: 5:41
